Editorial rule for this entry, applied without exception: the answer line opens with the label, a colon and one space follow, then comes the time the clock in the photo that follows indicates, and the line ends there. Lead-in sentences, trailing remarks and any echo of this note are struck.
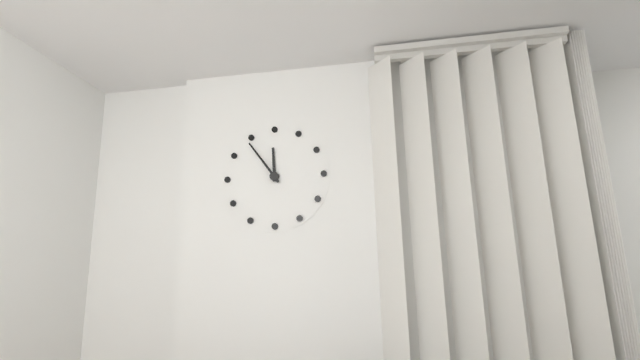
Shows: 11:54
